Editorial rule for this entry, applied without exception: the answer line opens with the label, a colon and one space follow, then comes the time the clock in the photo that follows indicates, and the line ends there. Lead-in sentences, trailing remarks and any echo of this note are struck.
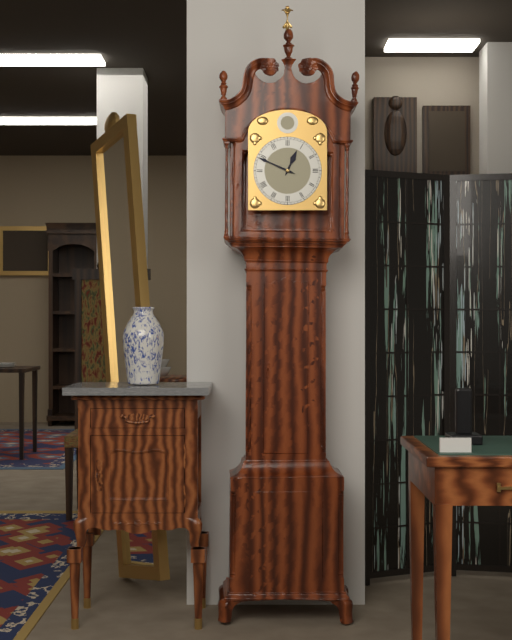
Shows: 12:49
